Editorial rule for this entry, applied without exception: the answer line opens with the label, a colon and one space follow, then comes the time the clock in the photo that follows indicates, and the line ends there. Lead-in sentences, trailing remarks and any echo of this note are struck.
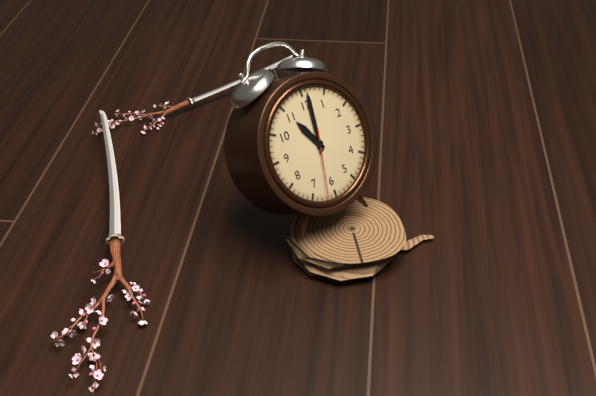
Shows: 11:01:32
